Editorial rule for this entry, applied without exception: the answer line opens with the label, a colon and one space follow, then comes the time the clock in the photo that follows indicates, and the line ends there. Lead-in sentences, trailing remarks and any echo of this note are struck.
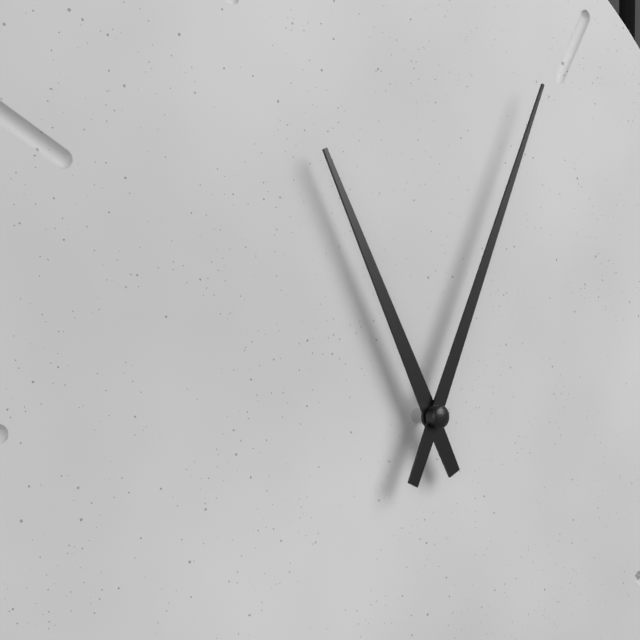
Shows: 11:04
